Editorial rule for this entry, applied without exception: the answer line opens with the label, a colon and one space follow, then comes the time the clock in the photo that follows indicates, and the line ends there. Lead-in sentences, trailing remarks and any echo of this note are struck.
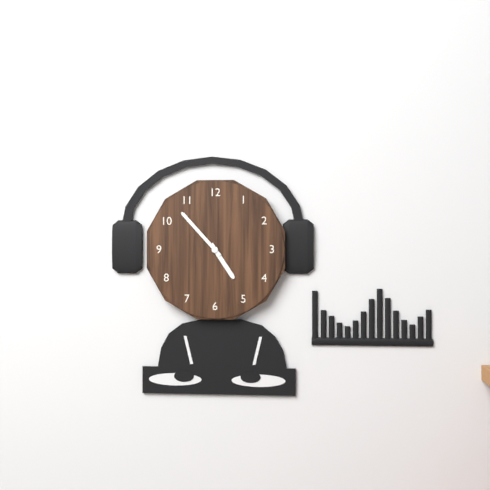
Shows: 4:53
